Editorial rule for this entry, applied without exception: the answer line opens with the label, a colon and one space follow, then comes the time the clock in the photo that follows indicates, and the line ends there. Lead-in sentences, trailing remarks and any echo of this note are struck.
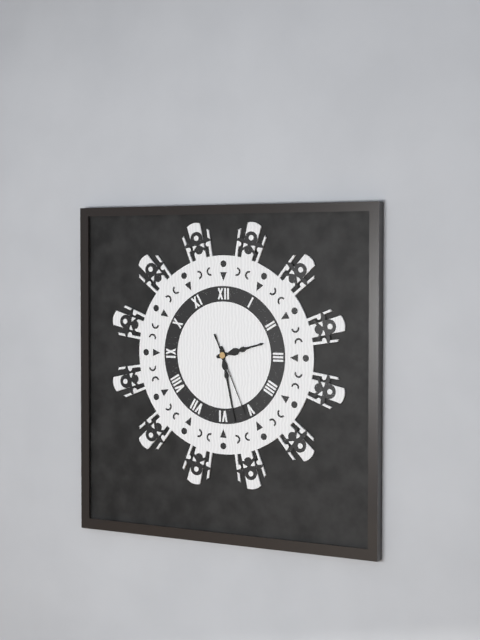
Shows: 2:28:26
